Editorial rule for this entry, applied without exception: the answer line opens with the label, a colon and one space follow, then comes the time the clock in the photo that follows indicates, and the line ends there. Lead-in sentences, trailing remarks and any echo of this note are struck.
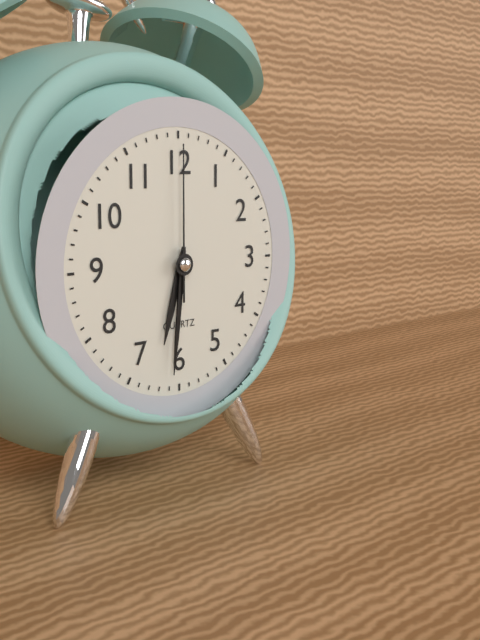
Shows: 6:31:00
